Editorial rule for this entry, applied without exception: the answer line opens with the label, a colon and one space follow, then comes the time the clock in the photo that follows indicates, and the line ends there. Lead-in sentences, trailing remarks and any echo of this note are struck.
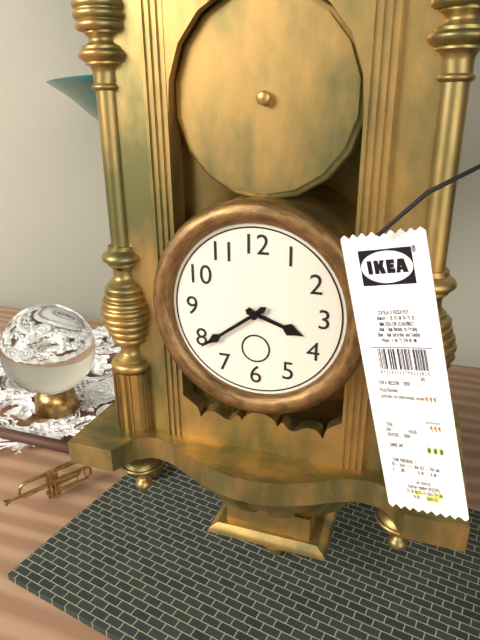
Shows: 3:39
